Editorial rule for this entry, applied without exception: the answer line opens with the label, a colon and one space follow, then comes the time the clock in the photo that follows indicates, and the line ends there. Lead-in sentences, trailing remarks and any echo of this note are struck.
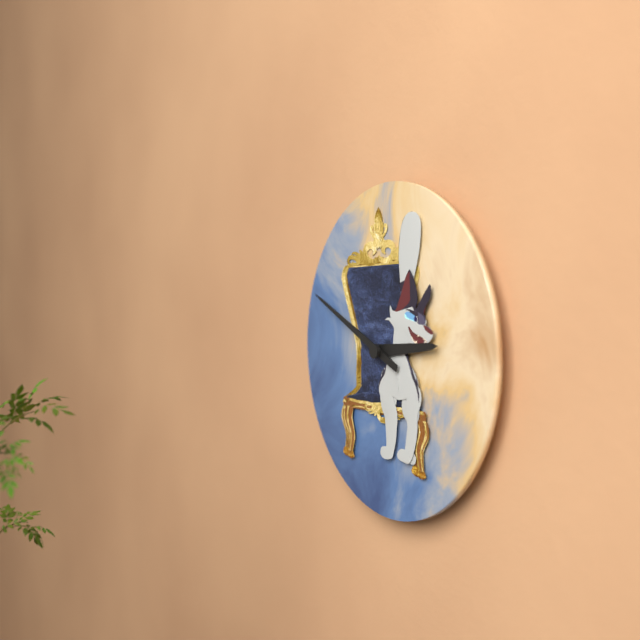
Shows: 2:49
